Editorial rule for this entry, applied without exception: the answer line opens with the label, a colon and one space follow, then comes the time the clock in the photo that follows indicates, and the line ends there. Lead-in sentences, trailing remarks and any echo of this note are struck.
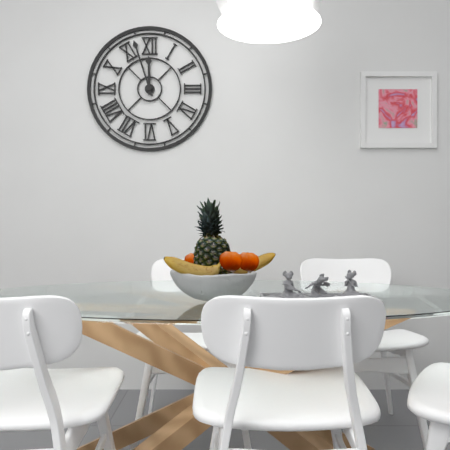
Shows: 11:57
